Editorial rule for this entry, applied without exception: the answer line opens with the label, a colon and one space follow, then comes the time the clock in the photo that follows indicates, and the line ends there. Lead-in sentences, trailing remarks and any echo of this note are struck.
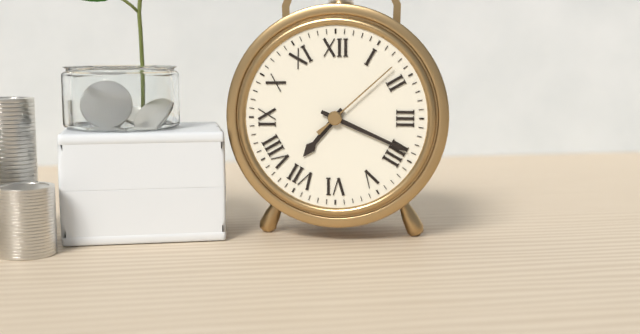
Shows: 7:19:08
